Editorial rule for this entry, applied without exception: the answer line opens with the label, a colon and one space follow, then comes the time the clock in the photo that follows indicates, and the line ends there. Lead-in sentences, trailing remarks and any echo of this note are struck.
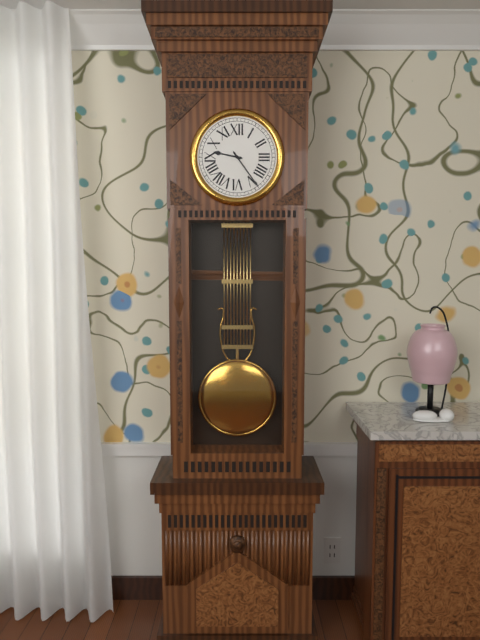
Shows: 9:24
